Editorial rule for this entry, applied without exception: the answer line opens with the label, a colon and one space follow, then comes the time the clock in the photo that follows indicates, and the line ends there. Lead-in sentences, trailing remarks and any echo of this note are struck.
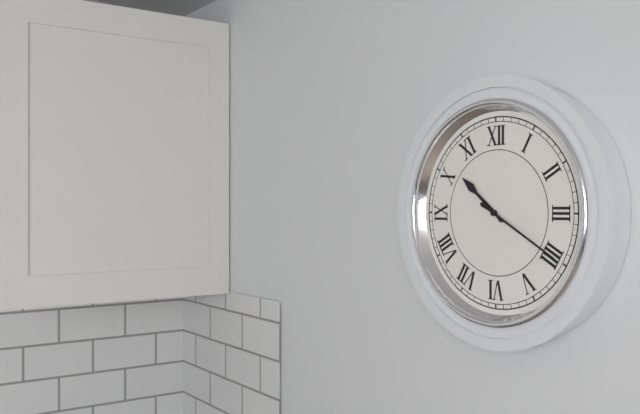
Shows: 10:20
